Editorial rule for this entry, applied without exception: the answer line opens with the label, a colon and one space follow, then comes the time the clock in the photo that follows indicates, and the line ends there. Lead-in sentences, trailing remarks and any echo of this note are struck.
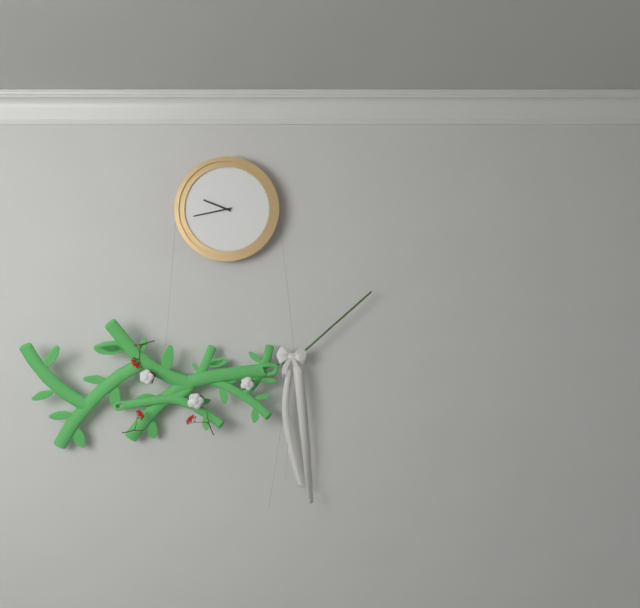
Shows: 9:43
